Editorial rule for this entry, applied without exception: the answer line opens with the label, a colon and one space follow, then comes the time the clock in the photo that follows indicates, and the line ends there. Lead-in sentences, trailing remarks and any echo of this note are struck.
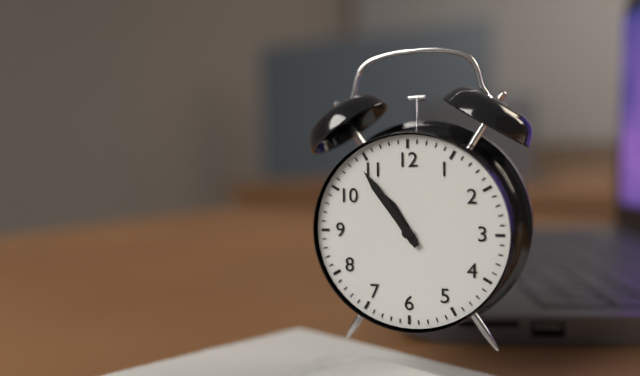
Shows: 10:54
